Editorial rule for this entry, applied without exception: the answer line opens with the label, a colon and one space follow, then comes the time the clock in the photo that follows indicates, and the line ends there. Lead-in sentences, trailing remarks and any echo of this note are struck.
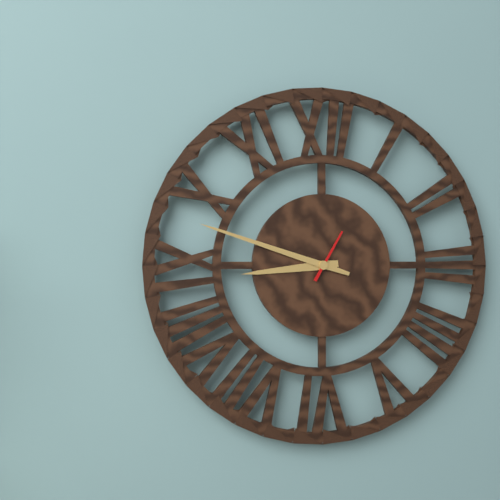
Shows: 8:48:05
